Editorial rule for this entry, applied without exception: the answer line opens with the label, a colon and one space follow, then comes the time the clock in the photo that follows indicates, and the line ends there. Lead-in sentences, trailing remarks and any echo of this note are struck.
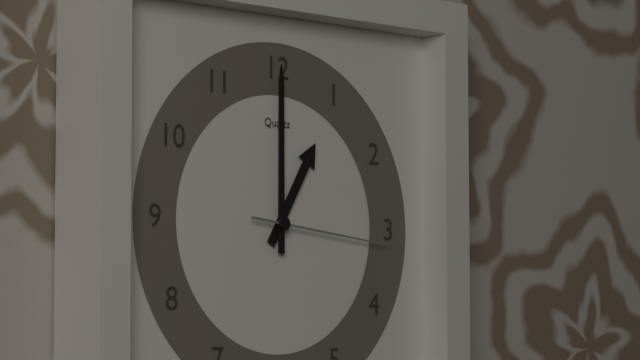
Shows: 1:00:16
